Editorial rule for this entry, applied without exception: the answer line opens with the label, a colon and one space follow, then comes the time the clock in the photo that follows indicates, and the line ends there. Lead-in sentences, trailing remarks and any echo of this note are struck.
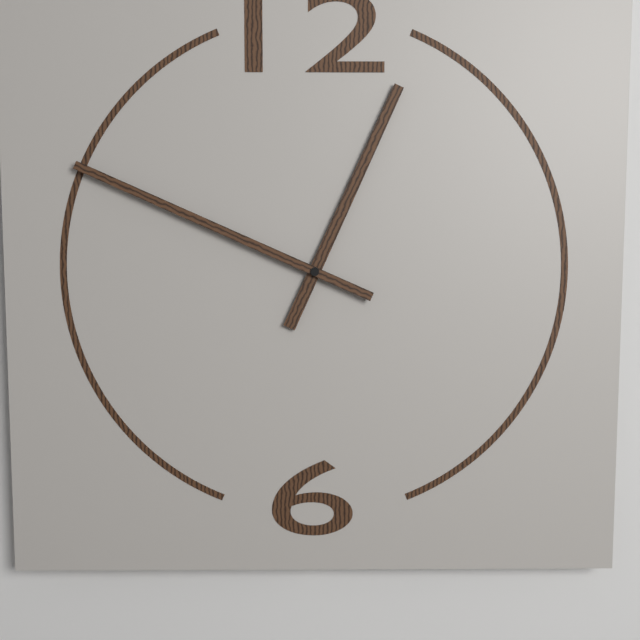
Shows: 12:49
